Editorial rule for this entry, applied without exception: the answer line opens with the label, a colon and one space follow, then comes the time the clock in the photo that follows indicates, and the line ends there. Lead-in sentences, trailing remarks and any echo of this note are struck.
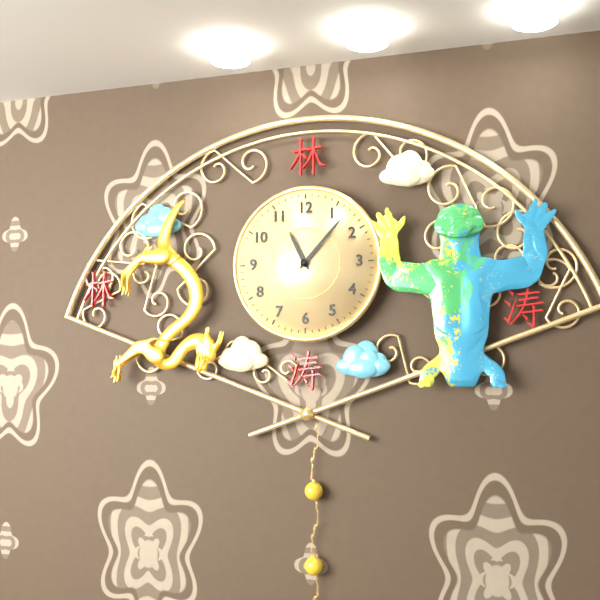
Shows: 11:07
